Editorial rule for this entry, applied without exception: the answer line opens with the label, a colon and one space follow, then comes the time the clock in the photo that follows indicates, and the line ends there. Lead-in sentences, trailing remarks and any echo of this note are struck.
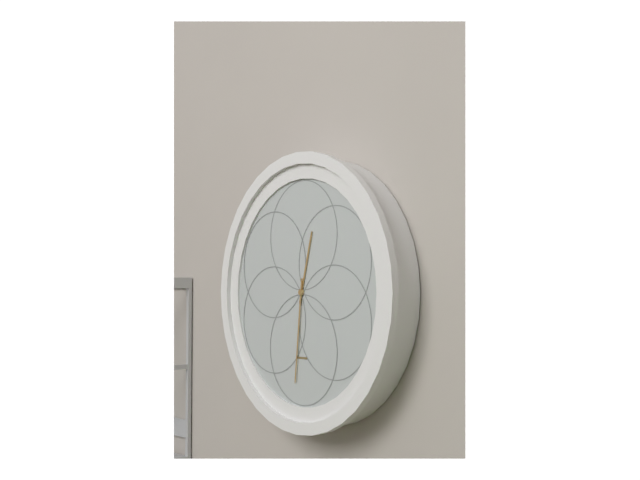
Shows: 12:31
